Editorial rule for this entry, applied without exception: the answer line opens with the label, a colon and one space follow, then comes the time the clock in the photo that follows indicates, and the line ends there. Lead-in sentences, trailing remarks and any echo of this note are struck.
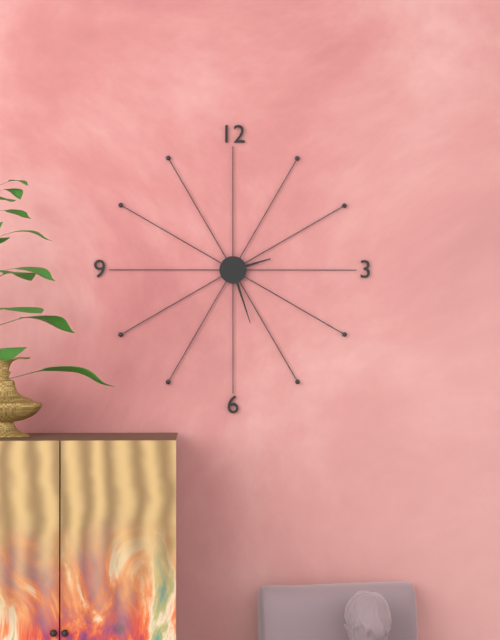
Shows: 2:27
